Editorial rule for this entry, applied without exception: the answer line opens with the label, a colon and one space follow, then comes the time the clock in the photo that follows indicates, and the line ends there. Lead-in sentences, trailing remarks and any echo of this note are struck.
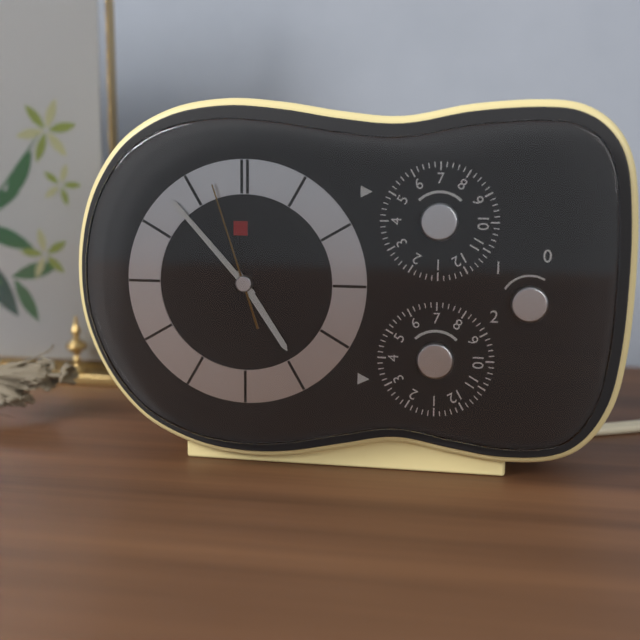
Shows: 4:53:57
